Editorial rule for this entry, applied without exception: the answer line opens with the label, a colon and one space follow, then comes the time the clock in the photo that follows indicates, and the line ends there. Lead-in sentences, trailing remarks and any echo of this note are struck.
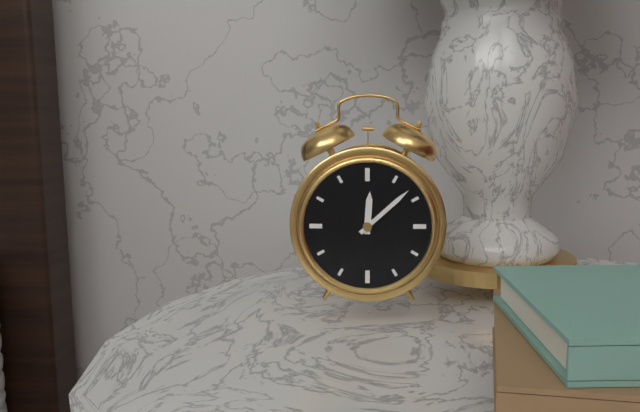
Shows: 12:08
